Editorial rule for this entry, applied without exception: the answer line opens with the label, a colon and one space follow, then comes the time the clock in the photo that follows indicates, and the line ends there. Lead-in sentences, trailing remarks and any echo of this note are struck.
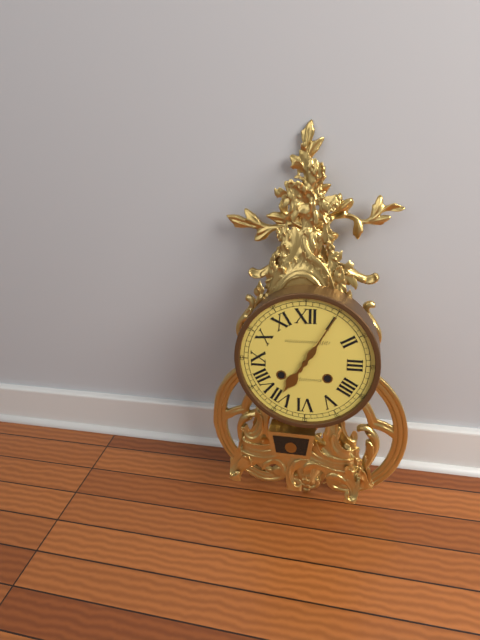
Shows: 7:05
